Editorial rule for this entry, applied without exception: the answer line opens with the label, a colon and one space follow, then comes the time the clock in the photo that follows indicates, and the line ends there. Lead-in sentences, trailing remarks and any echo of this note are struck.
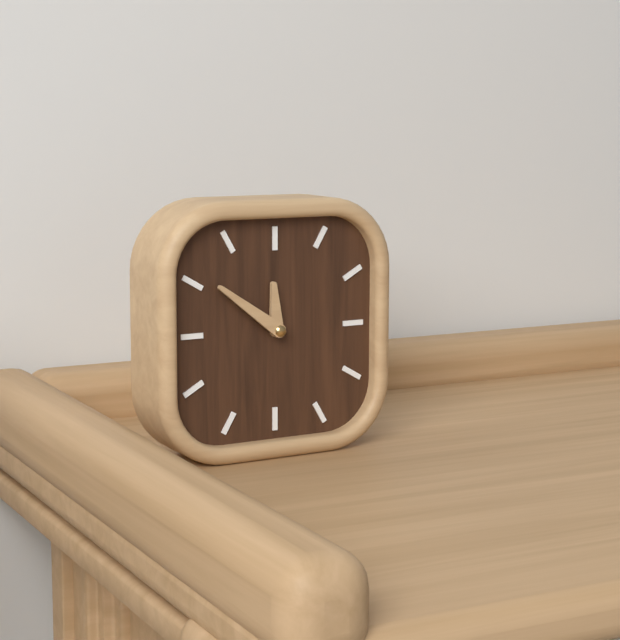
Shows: 11:51
